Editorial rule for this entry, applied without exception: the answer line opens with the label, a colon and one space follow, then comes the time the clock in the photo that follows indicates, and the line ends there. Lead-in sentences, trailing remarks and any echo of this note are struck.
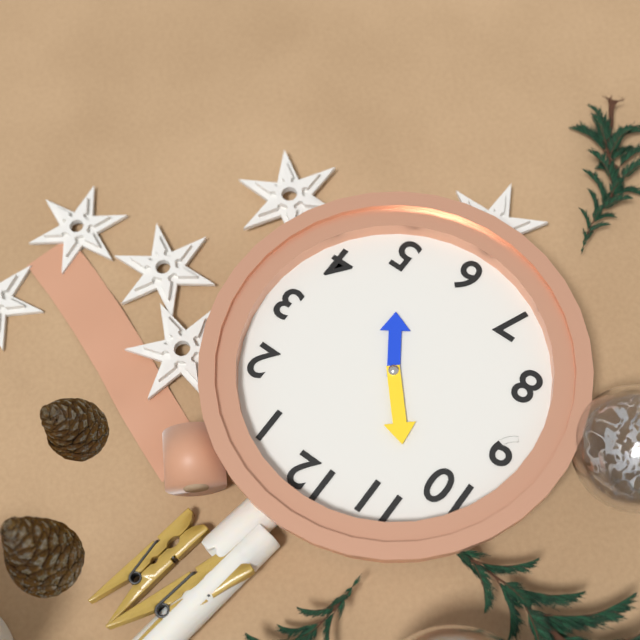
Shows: 4:53
